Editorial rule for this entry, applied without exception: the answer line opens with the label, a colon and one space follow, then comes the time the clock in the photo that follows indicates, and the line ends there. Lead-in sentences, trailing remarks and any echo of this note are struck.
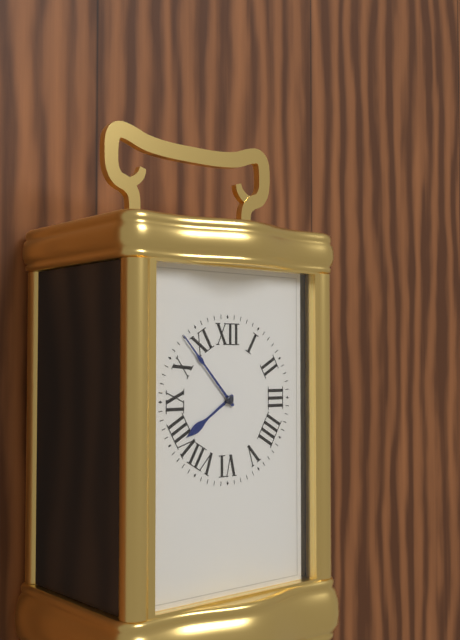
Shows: 7:53
